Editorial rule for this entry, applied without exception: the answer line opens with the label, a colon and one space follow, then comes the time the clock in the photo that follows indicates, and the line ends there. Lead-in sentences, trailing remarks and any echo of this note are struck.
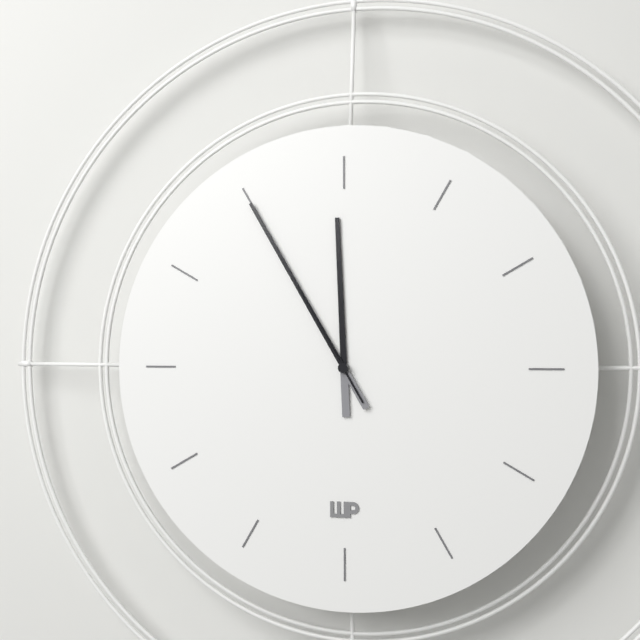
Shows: 11:55:55
